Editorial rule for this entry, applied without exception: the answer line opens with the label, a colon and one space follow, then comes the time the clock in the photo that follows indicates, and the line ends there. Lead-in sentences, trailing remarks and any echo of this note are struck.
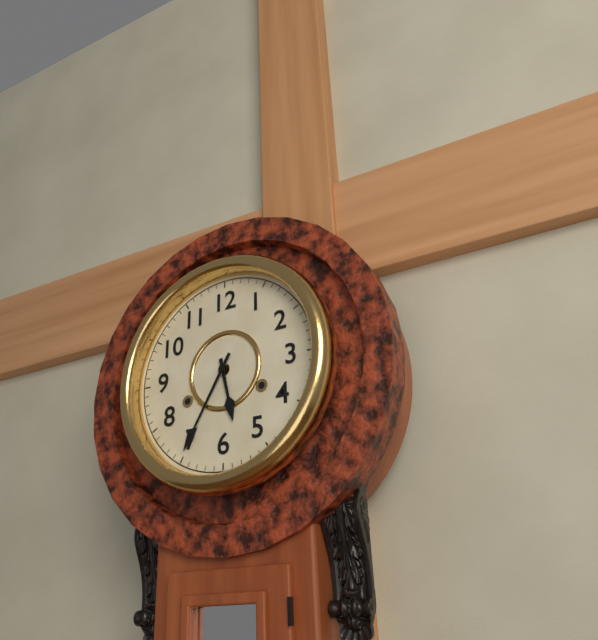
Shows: 5:35
